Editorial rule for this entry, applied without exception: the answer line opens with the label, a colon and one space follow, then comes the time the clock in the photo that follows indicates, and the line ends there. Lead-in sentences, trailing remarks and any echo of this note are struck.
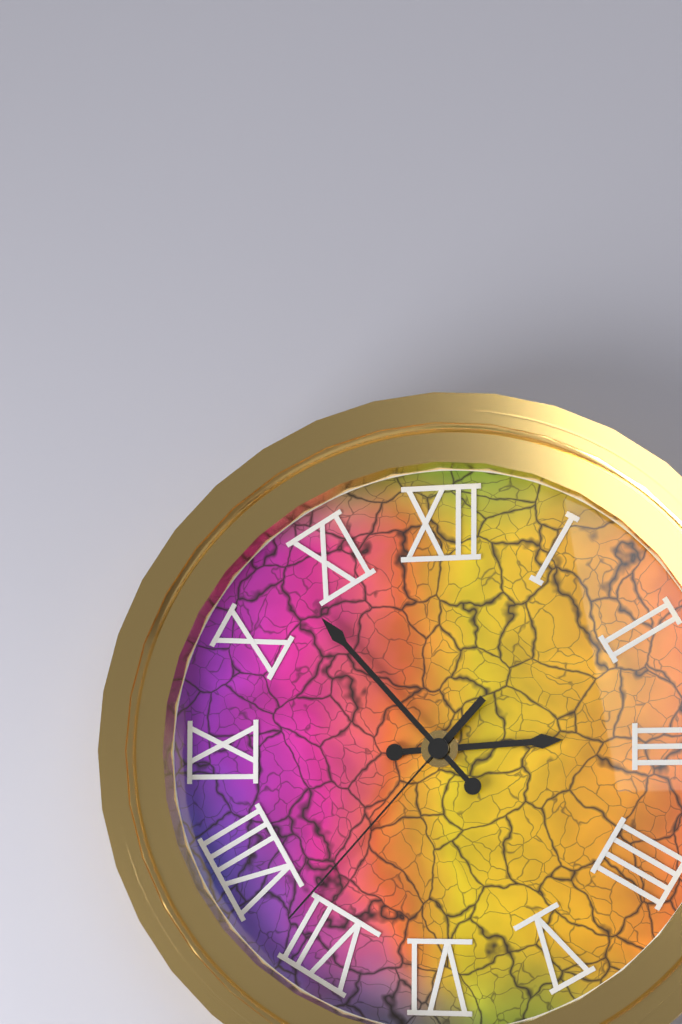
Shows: 2:53:37
